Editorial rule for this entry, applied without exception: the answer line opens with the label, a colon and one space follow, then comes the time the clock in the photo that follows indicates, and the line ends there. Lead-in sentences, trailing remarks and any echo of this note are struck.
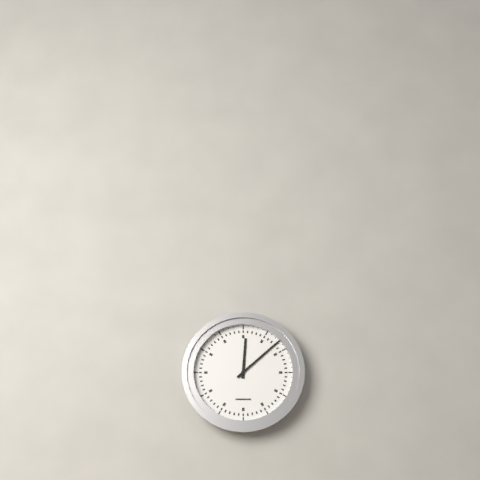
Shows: 12:08
